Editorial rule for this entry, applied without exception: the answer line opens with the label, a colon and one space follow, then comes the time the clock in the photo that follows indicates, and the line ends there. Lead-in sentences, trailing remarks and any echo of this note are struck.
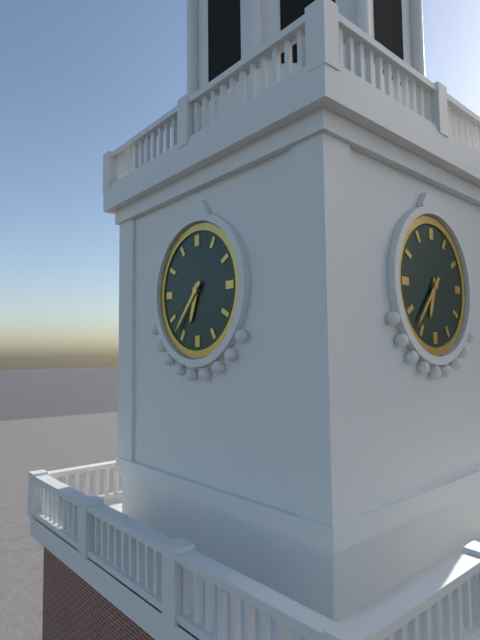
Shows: 6:37
